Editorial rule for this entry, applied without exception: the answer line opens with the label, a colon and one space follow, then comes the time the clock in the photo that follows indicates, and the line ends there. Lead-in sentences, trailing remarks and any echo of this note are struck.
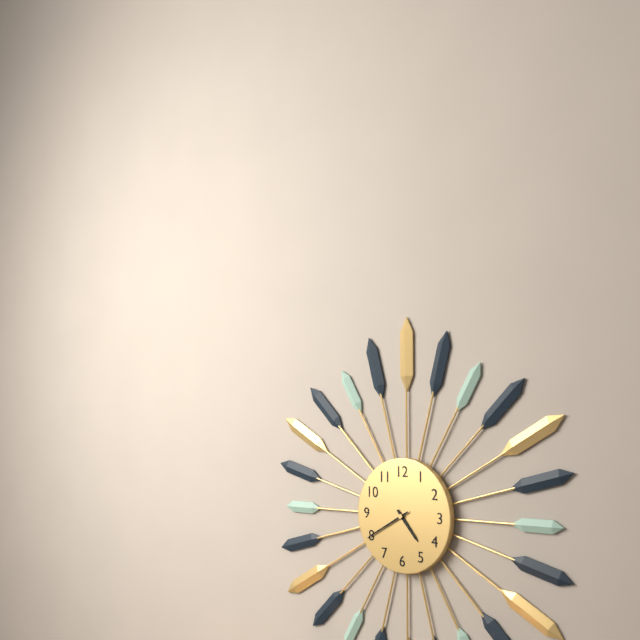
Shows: 4:40
